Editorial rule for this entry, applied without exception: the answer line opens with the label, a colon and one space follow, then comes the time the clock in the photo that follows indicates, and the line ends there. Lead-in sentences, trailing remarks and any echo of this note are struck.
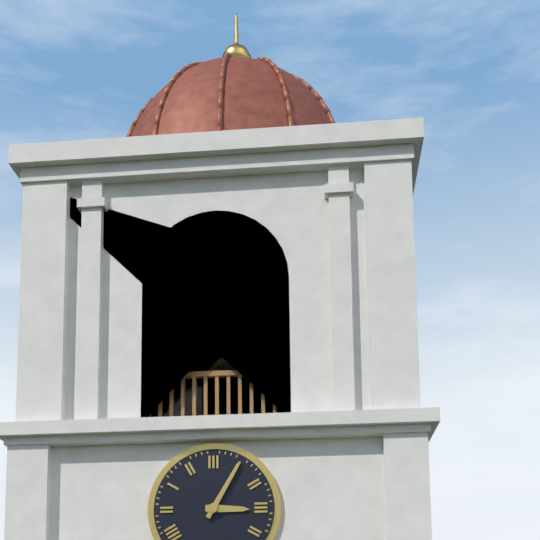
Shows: 3:05
